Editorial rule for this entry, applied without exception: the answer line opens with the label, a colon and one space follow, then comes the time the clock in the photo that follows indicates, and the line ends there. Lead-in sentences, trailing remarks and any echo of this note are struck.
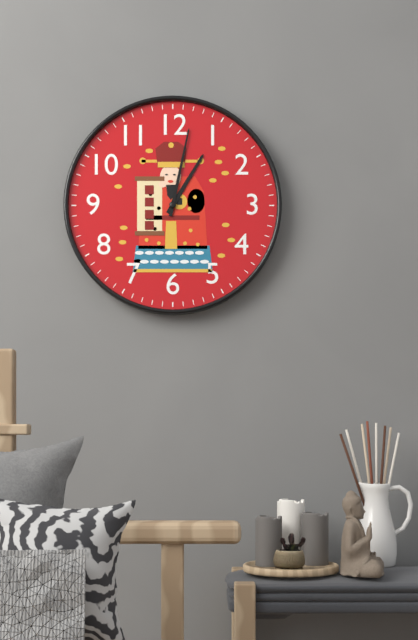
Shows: 1:02
